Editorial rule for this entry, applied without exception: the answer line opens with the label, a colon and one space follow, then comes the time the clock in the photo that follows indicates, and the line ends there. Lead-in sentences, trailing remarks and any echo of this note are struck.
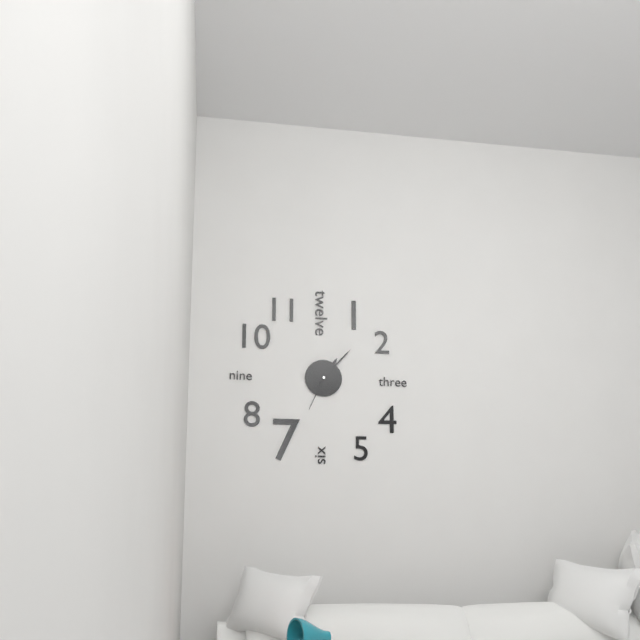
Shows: 1:07
